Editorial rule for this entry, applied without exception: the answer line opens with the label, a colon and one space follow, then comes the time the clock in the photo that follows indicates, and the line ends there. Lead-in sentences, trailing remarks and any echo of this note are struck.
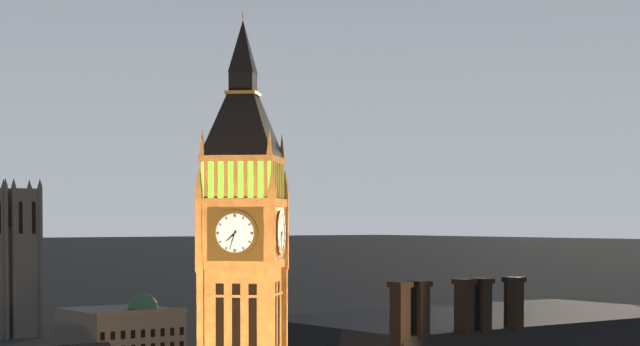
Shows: 7:33
